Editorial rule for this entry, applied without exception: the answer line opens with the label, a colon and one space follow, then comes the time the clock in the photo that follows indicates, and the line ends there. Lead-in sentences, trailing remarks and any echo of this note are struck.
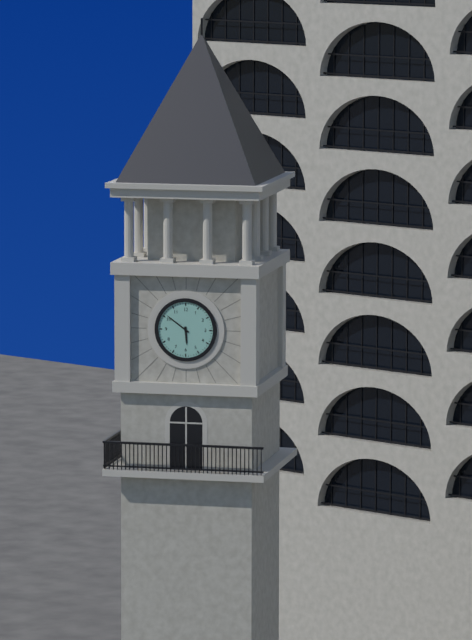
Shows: 5:51
